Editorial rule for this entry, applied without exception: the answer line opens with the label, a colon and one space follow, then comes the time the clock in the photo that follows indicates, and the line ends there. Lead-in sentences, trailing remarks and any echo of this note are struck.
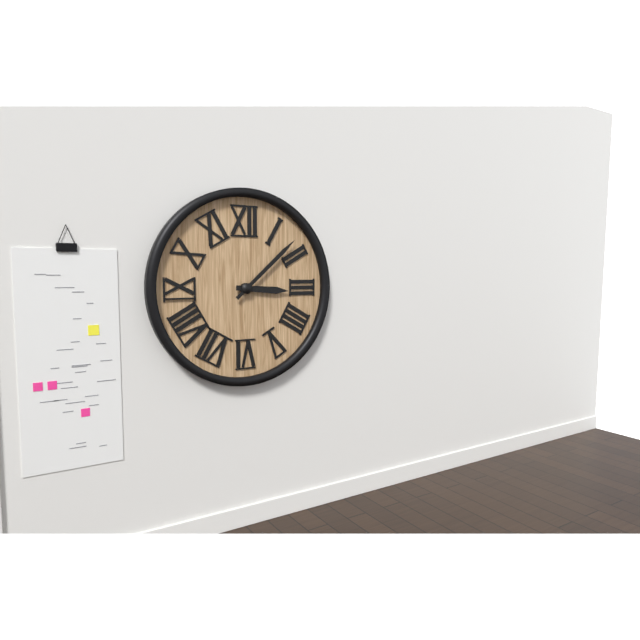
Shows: 3:08
